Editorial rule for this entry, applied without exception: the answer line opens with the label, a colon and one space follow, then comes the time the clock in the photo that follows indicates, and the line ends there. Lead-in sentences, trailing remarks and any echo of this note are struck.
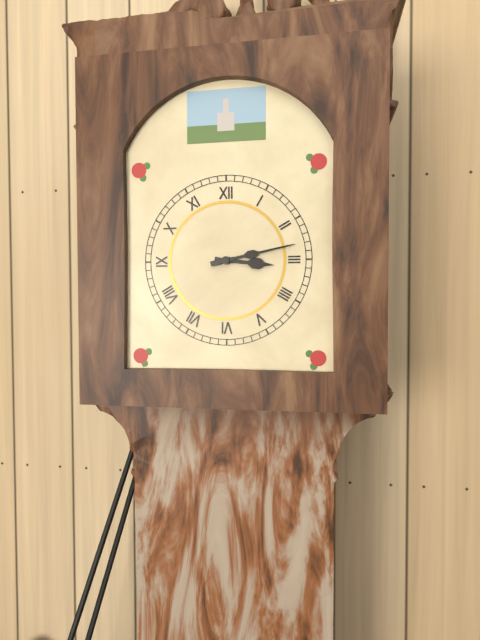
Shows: 3:13
